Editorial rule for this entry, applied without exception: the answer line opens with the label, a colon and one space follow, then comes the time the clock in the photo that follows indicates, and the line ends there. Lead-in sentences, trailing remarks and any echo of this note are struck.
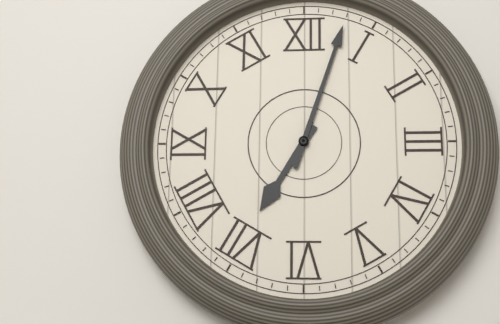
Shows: 7:03
